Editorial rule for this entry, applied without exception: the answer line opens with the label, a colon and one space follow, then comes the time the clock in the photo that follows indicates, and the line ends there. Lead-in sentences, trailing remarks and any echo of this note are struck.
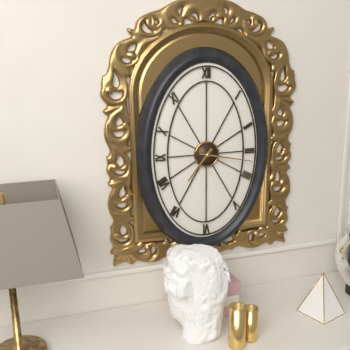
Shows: 7:17
